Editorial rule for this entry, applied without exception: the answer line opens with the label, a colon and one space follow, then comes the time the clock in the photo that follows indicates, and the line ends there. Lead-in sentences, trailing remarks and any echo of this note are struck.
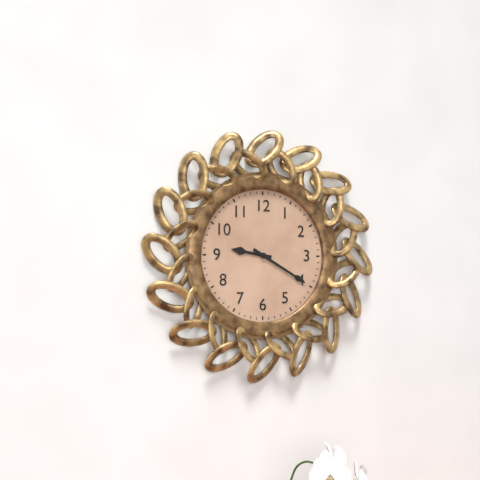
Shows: 9:20
